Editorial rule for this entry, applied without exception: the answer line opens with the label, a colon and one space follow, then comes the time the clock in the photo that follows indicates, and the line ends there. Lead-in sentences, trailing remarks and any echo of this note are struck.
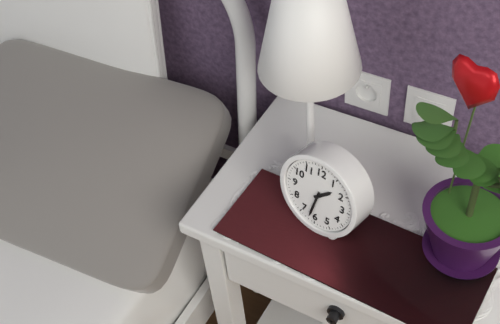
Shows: 1:32
